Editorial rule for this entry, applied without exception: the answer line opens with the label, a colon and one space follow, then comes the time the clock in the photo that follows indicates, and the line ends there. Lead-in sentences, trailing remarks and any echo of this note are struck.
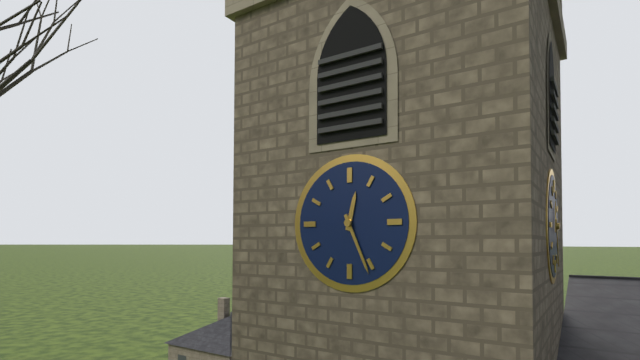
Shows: 12:26
